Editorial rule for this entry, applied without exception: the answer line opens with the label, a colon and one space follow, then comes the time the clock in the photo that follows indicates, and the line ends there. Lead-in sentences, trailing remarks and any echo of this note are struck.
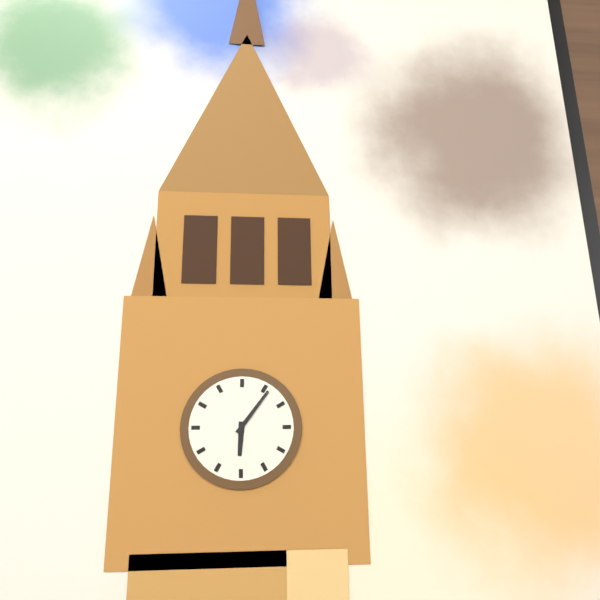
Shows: 6:06
